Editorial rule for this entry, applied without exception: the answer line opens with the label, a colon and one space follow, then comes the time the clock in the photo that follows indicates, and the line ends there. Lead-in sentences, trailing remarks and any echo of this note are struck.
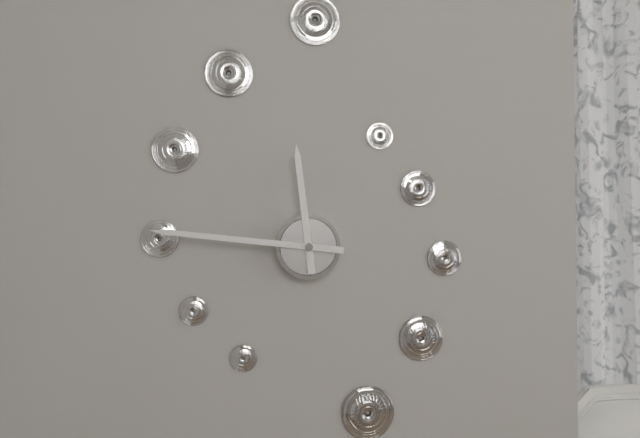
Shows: 11:46
